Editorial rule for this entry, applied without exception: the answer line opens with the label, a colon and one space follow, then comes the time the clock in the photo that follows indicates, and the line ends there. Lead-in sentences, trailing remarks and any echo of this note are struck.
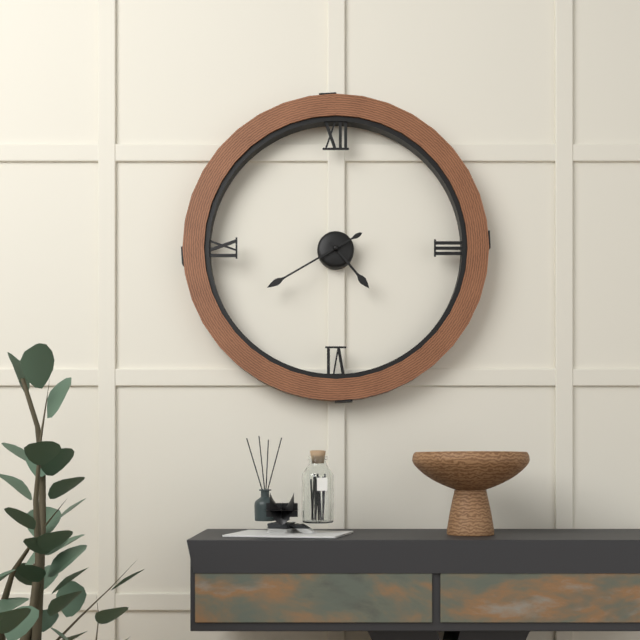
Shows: 4:40
